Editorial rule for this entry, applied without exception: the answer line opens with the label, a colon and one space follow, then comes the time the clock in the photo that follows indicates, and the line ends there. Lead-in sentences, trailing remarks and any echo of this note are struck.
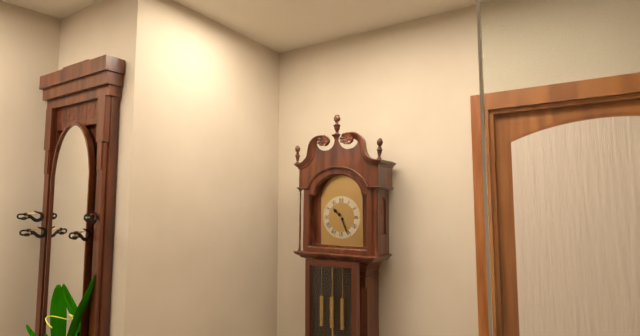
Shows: 10:26
